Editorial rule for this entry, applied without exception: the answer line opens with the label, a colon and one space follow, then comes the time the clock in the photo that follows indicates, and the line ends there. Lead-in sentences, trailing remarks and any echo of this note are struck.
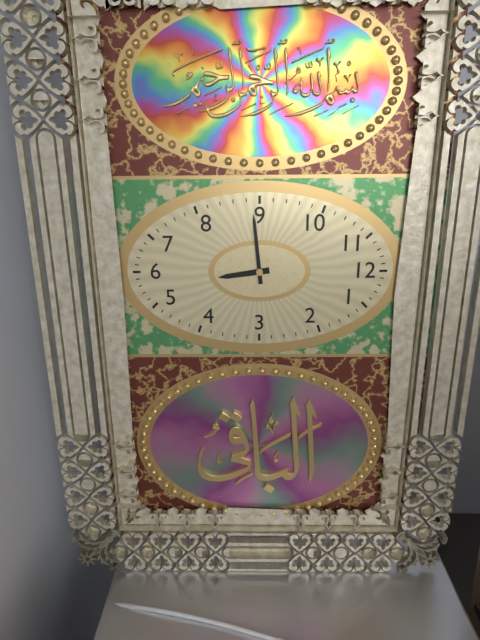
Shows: 5:44
